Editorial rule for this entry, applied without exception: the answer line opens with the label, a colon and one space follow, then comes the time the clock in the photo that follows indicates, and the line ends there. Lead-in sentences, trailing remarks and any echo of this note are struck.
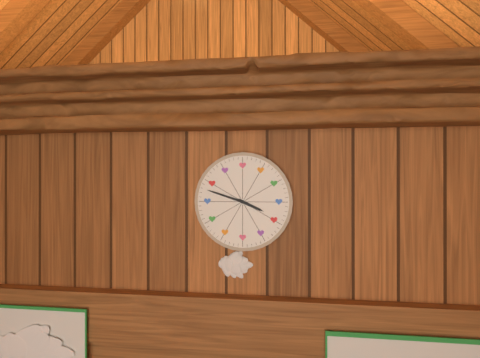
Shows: 3:48
